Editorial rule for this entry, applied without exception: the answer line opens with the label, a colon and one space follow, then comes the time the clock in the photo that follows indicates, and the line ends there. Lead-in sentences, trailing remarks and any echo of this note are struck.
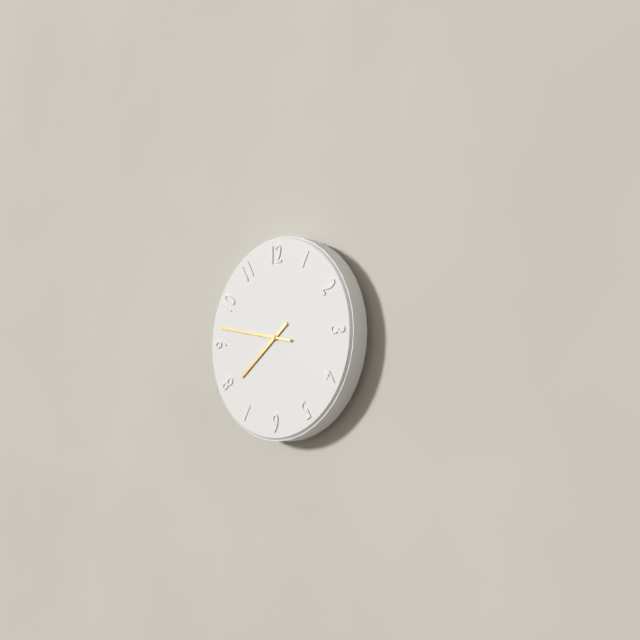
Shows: 7:47
